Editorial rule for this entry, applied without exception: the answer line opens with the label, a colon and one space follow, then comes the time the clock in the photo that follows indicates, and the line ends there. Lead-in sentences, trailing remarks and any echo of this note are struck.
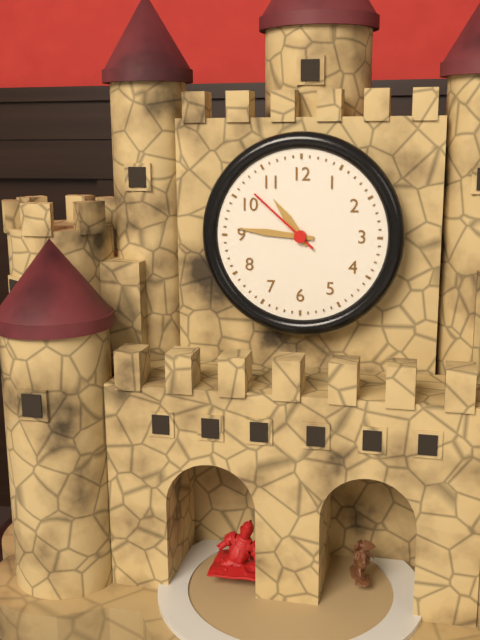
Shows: 10:46:52
